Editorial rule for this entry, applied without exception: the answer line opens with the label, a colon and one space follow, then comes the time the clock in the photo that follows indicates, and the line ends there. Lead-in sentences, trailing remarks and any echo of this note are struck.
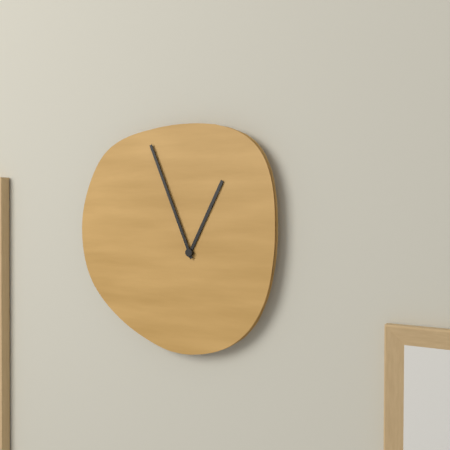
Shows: 12:56
